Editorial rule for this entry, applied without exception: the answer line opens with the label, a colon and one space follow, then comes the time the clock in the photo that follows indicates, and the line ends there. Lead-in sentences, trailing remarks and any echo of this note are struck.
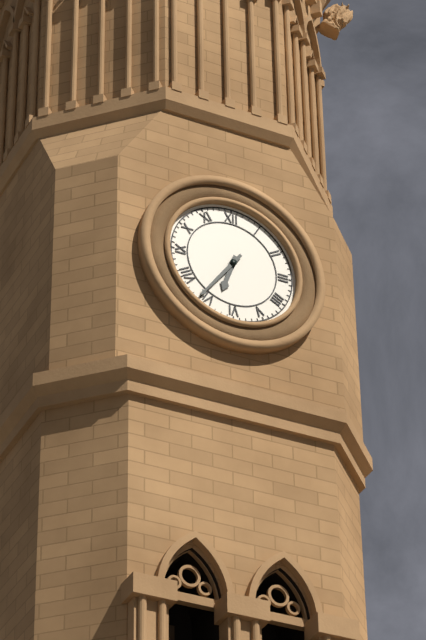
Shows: 6:36
